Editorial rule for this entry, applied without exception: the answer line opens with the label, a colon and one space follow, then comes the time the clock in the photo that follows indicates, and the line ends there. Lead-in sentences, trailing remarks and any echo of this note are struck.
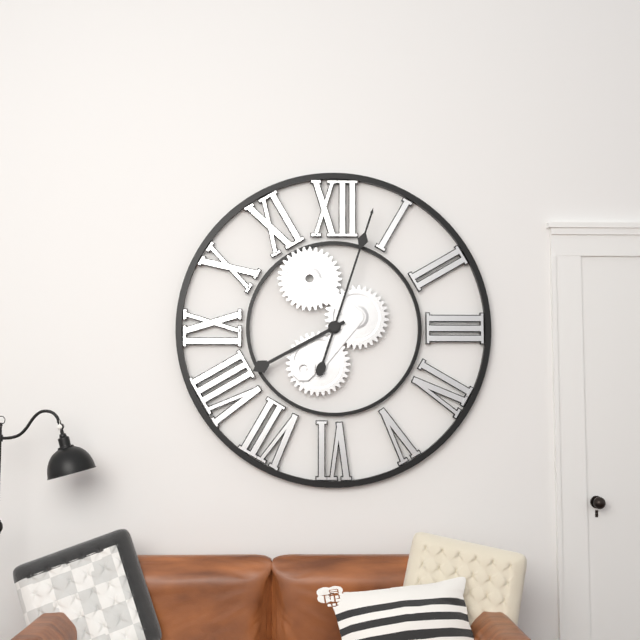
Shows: 8:03
